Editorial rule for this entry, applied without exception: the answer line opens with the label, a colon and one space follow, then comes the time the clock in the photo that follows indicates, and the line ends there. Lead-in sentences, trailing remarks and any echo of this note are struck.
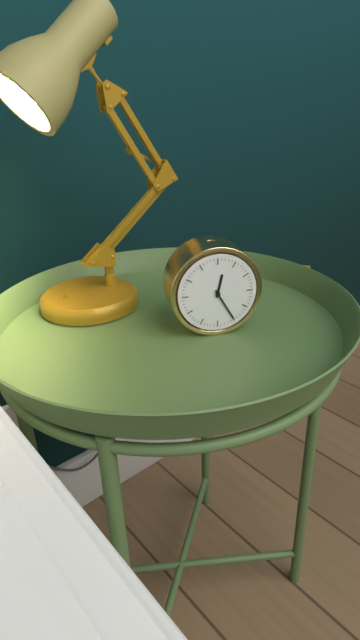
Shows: 12:25
